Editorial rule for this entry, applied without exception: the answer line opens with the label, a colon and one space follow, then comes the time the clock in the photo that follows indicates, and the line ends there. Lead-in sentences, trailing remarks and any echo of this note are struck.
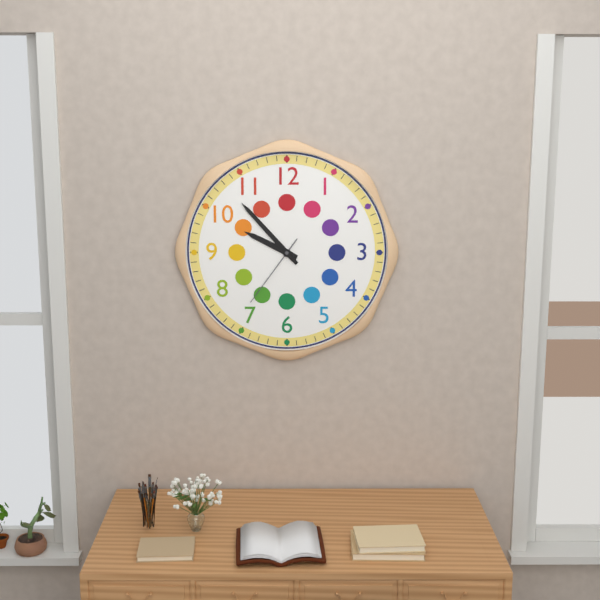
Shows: 9:53:36
